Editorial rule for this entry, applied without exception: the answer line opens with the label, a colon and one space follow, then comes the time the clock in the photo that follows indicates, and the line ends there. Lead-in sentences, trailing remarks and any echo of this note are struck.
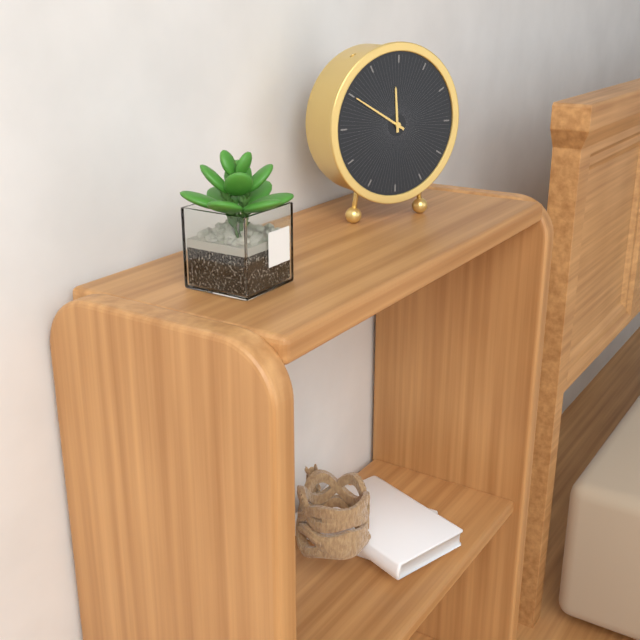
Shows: 11:50
